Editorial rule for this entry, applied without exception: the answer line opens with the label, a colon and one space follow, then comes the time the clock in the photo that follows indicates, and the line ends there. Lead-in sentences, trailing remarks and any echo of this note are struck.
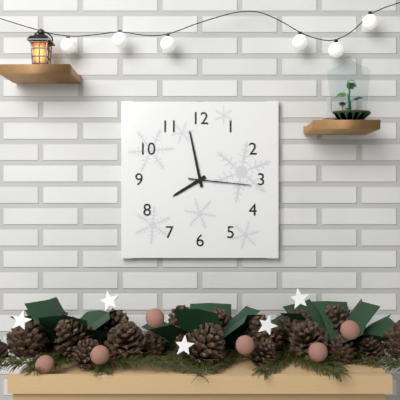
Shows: 7:58:16
